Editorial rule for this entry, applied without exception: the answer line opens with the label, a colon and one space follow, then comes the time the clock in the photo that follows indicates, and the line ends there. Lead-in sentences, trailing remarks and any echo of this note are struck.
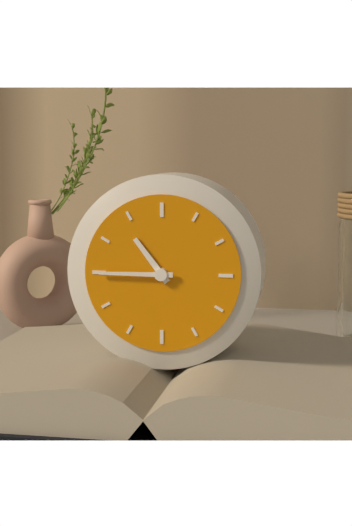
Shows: 10:45
